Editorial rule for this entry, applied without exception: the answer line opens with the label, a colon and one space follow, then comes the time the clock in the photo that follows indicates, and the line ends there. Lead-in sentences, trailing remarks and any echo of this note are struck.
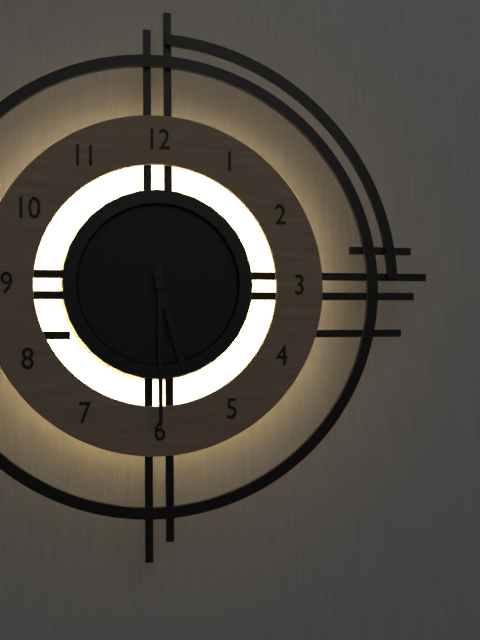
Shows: 5:30
